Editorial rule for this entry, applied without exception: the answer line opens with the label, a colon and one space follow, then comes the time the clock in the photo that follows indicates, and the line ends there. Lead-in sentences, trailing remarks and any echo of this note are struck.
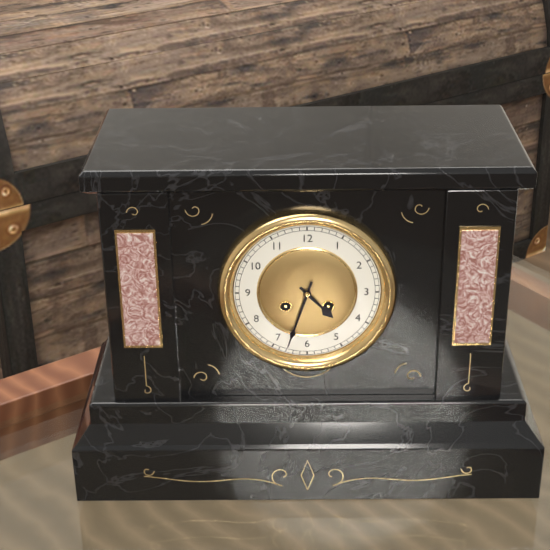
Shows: 4:33
